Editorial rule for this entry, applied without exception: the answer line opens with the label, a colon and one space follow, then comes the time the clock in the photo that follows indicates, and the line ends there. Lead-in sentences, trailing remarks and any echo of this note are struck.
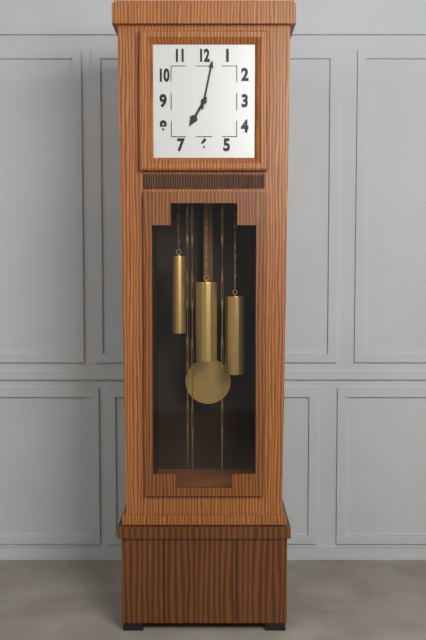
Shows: 7:02
